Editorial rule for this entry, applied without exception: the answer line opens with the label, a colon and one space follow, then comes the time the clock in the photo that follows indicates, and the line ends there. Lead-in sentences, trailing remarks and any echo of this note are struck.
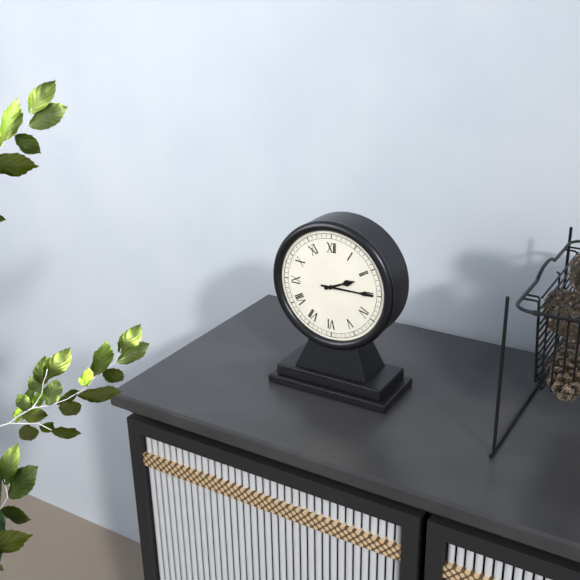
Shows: 2:15
